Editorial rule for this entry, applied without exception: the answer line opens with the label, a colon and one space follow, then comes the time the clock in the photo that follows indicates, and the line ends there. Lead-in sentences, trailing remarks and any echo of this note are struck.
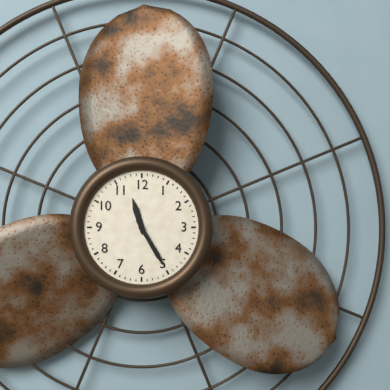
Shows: 11:25
